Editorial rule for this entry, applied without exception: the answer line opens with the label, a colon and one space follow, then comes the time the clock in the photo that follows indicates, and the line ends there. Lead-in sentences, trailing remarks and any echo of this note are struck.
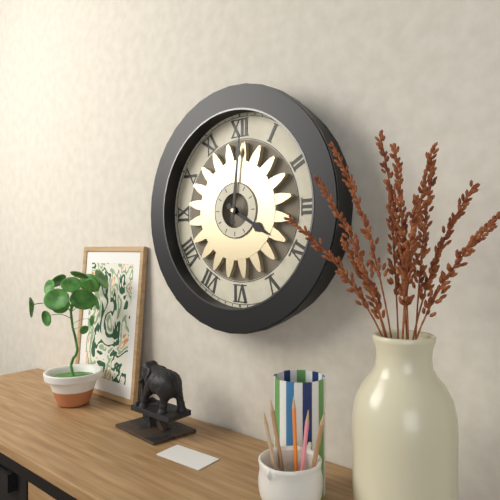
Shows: 4:01
